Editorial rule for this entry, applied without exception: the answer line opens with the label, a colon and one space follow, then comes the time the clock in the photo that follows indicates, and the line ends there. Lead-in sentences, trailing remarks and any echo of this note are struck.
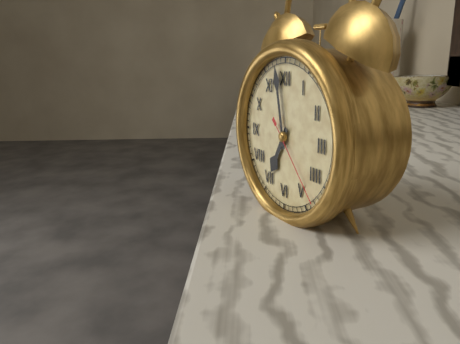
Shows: 6:58:23
